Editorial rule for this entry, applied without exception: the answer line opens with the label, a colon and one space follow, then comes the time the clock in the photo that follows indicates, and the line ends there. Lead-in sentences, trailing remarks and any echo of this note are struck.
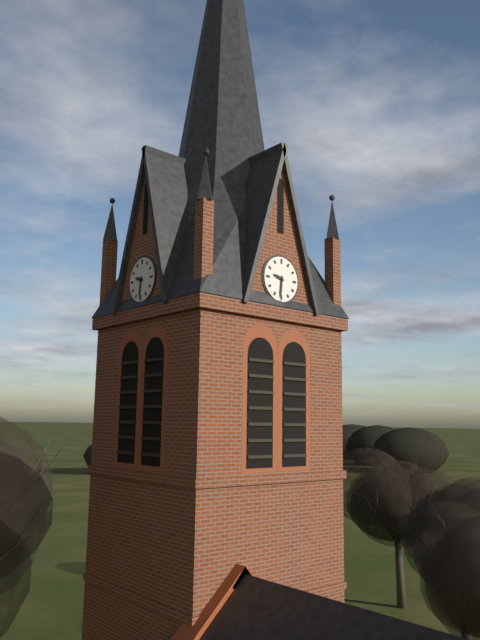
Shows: 9:31
